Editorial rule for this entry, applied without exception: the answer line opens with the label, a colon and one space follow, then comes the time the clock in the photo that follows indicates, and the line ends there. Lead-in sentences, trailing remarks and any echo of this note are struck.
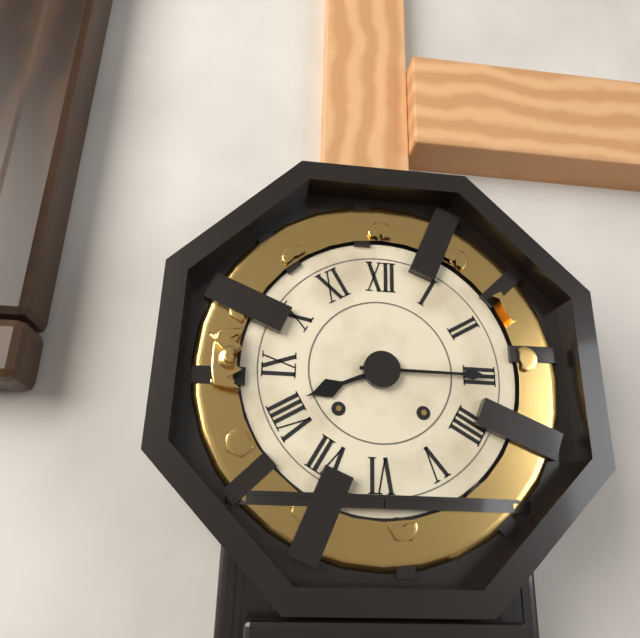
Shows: 8:15
